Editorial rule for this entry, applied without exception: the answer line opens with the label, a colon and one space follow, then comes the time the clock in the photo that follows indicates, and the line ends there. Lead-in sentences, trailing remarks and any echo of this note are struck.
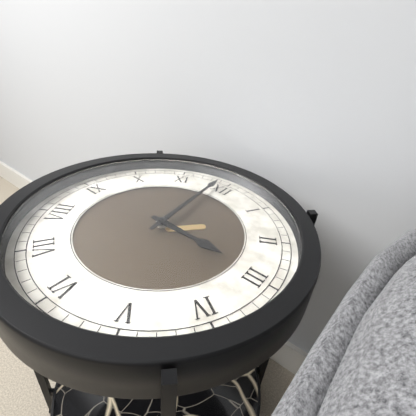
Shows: 2:59
